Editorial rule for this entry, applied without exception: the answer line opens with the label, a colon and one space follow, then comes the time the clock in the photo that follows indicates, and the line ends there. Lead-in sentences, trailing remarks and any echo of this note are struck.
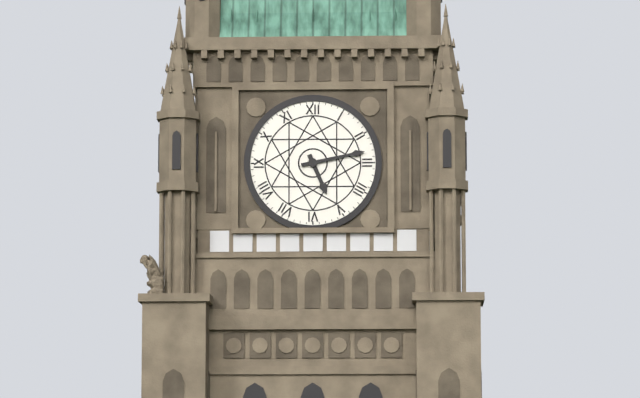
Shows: 5:13
